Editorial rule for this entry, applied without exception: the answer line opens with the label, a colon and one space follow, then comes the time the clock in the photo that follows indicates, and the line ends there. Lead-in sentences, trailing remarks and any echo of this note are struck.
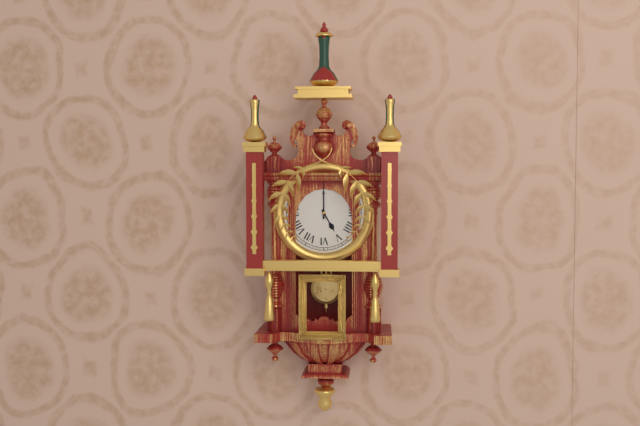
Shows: 5:00
